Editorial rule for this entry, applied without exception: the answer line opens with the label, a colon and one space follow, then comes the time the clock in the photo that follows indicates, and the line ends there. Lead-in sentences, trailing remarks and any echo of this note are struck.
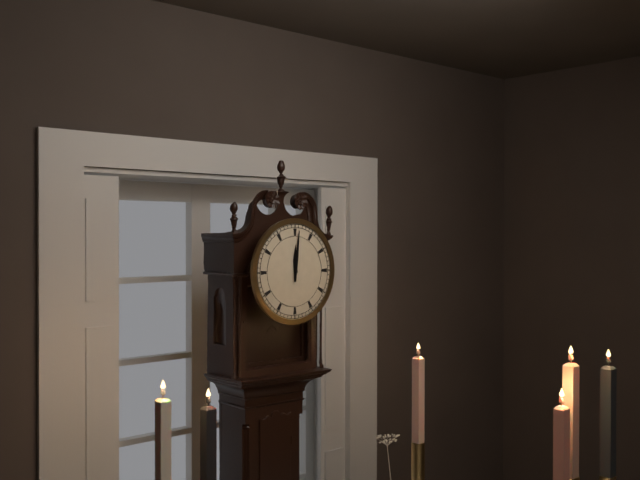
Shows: 12:01
